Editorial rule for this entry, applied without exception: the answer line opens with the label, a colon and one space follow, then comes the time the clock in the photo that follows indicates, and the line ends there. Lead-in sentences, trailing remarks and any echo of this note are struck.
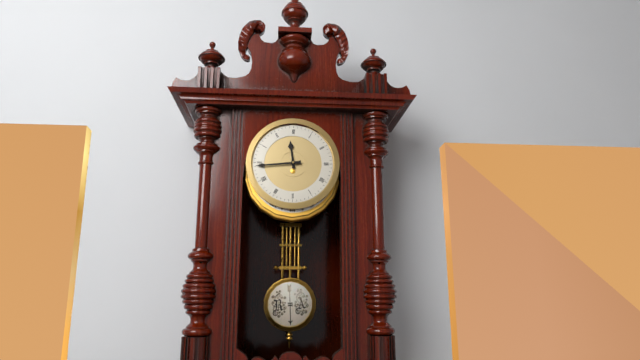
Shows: 11:44
